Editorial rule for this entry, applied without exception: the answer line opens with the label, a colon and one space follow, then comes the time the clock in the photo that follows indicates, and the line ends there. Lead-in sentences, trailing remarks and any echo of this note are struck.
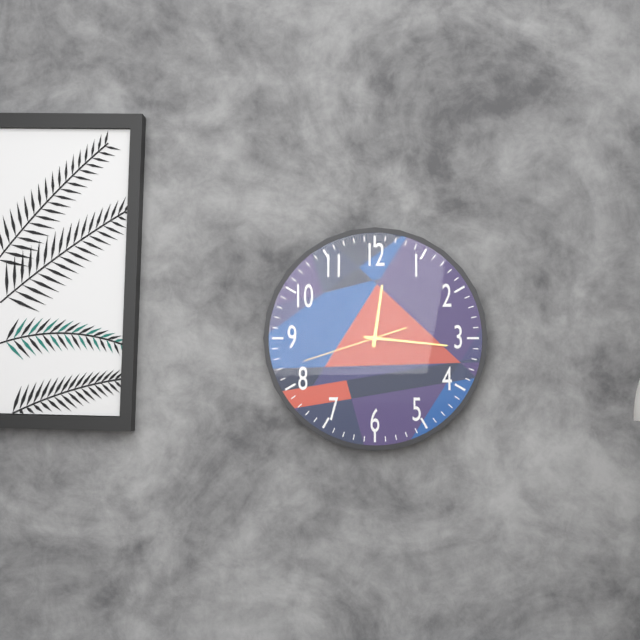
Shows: 12:16:42
